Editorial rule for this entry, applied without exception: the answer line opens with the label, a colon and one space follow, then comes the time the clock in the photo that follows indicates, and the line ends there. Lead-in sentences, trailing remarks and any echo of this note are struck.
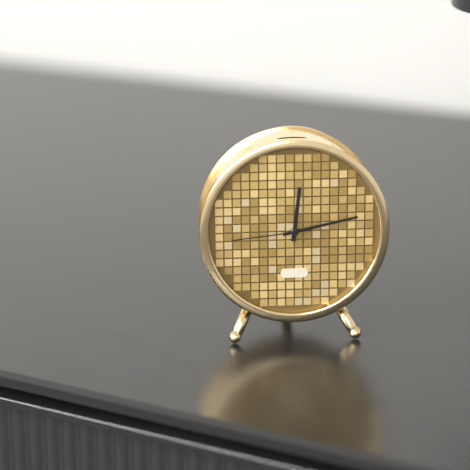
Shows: 12:13:44
